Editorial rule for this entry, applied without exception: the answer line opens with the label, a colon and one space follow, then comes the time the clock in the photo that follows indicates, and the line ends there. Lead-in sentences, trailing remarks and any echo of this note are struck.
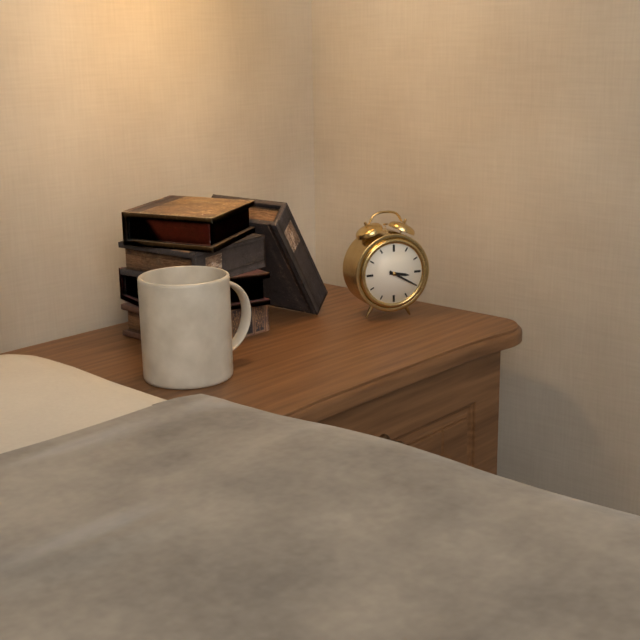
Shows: 3:20
